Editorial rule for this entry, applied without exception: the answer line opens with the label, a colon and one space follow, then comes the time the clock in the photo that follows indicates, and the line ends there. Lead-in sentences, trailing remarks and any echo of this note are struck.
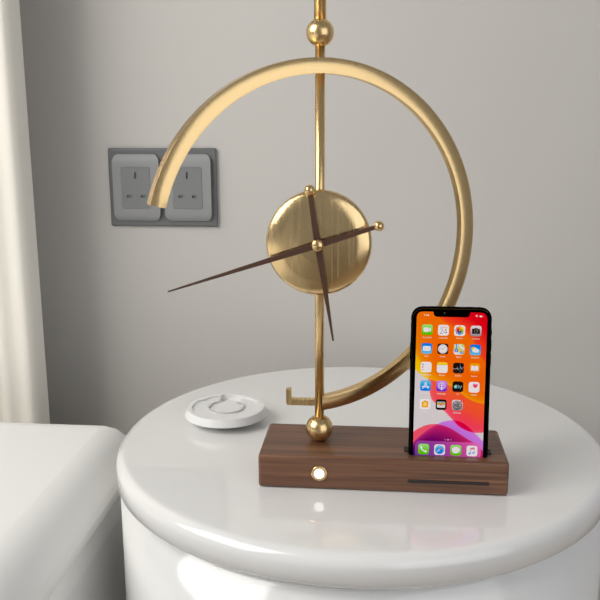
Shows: 5:42
